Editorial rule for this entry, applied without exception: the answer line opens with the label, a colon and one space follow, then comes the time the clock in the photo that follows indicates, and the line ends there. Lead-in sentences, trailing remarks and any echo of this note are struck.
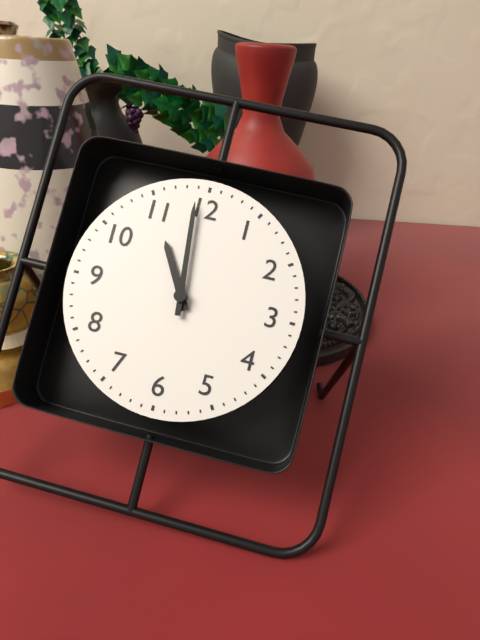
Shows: 10:59
